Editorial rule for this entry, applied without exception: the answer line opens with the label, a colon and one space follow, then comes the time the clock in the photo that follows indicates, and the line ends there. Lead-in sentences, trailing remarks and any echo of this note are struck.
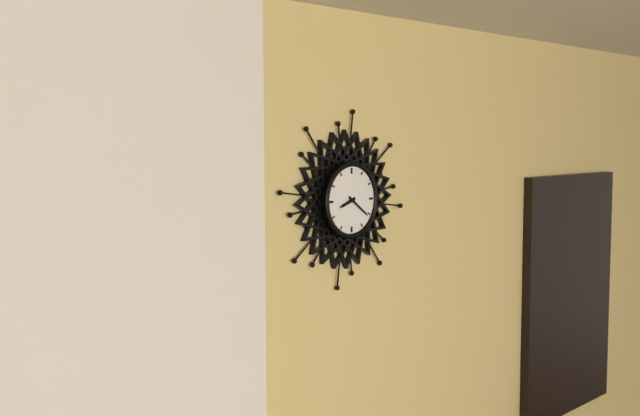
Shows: 8:21
